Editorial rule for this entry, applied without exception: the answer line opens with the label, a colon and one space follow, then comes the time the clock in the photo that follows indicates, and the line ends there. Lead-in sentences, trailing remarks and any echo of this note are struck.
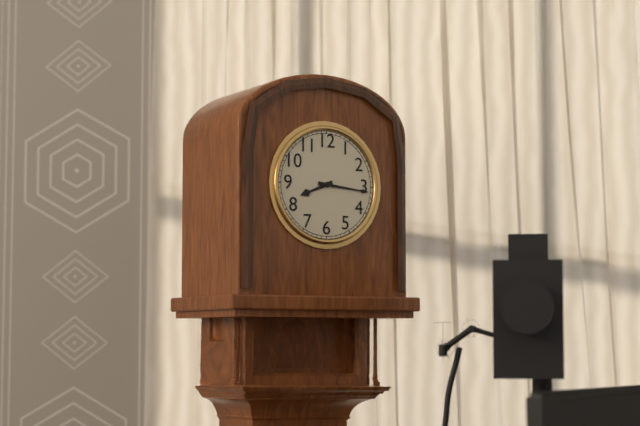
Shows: 8:16
